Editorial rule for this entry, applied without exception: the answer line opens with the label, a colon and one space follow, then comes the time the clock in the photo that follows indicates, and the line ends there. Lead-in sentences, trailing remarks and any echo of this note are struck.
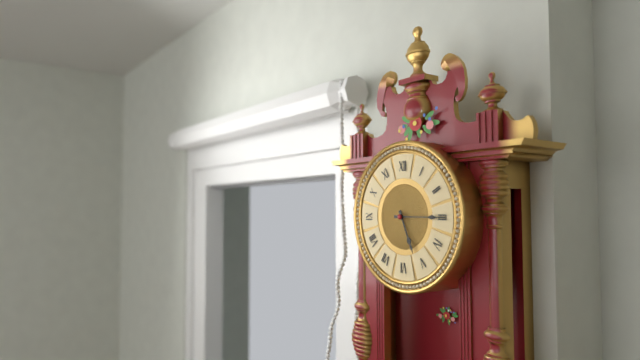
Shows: 5:15
